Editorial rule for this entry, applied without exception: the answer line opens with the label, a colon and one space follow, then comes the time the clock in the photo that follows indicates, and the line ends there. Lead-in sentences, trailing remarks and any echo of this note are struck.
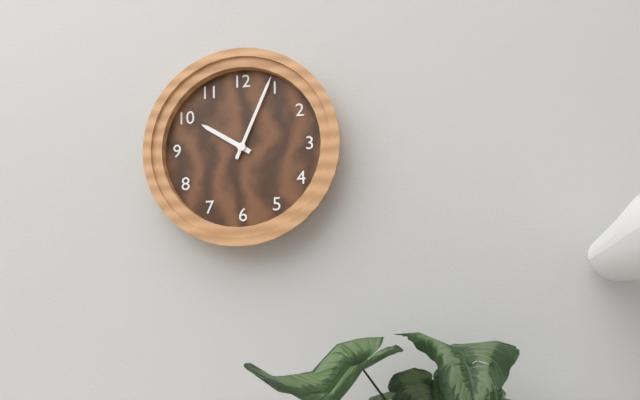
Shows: 10:04
